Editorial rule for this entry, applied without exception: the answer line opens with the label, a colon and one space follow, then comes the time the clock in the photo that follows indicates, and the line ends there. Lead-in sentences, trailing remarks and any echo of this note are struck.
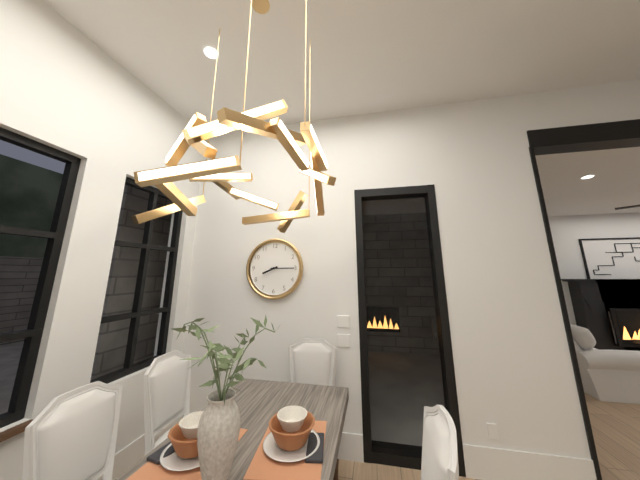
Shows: 8:15
